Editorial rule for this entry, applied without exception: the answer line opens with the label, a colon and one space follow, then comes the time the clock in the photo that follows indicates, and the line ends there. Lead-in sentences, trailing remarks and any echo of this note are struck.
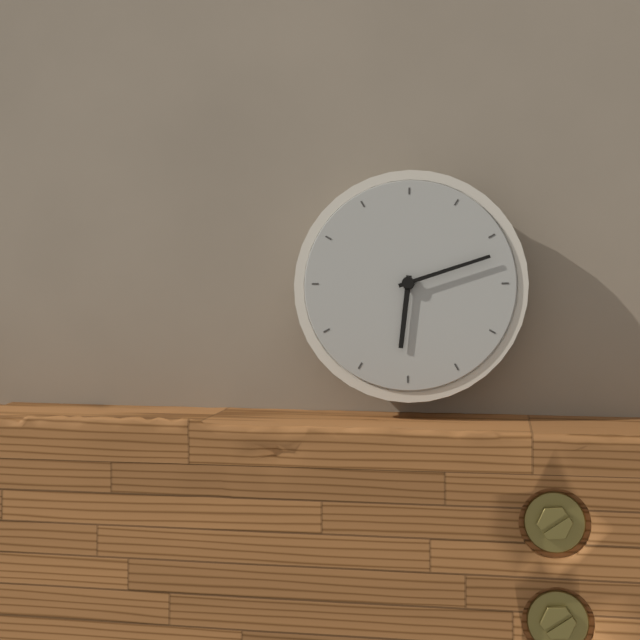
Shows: 6:12
